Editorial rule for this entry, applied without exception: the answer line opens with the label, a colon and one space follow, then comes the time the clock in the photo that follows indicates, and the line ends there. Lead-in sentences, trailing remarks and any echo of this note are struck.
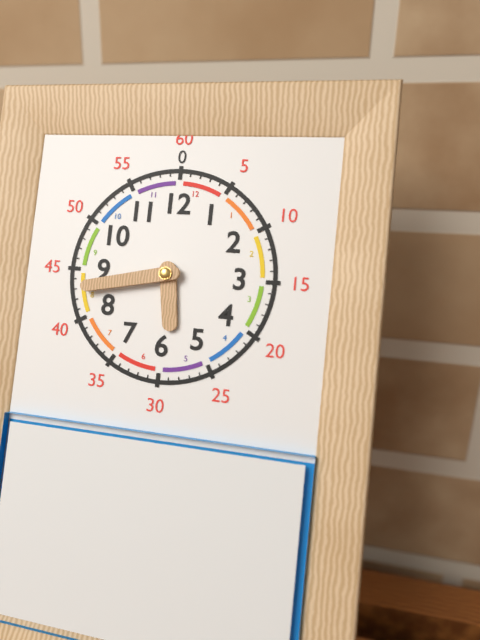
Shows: 5:43
